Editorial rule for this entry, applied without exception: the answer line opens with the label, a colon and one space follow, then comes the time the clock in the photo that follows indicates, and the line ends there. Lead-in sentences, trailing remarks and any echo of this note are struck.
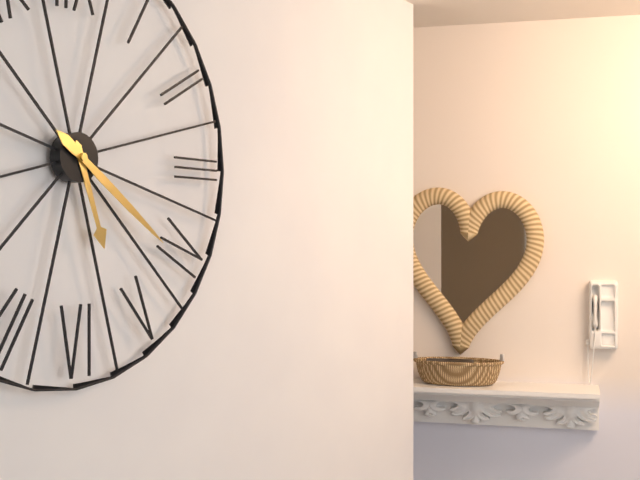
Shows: 5:21
